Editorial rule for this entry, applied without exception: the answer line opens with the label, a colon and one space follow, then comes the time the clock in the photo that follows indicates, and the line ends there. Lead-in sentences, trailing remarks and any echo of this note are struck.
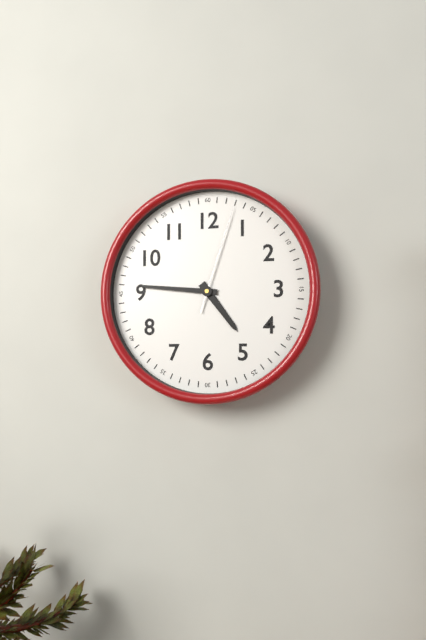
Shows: 4:46:03
